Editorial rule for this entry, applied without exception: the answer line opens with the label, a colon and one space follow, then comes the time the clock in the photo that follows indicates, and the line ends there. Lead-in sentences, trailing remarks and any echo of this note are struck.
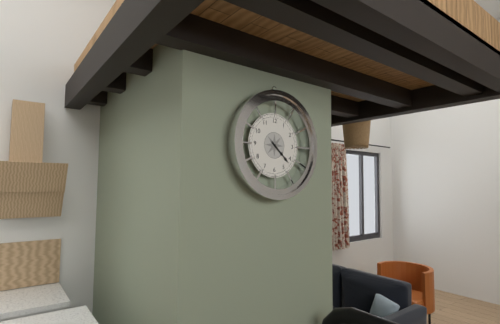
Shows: 4:22
